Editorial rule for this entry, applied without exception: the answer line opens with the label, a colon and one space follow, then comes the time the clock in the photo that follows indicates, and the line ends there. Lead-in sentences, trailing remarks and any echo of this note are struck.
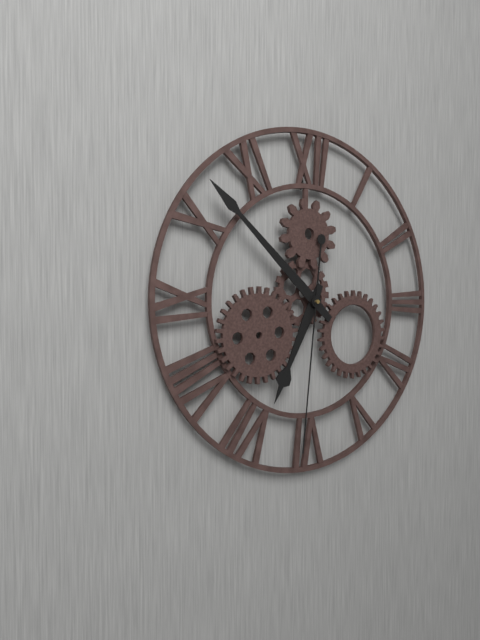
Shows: 6:52:31
